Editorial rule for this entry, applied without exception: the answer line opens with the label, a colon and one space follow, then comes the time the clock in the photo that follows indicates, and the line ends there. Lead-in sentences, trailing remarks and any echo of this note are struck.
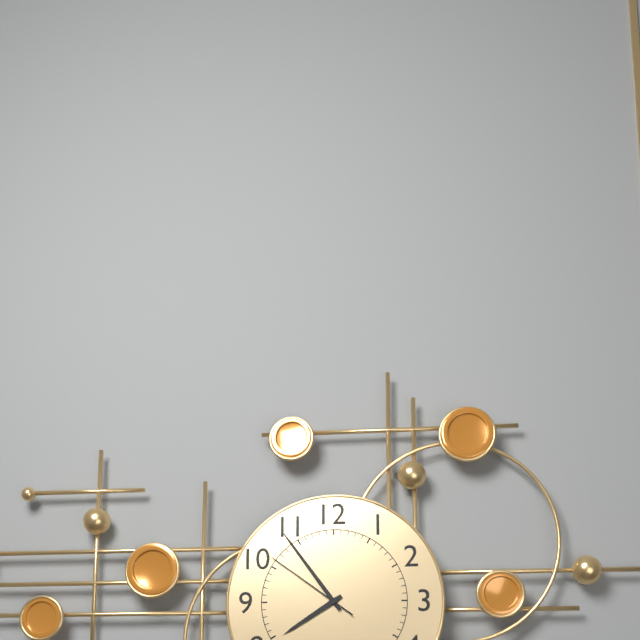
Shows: 7:54:51
